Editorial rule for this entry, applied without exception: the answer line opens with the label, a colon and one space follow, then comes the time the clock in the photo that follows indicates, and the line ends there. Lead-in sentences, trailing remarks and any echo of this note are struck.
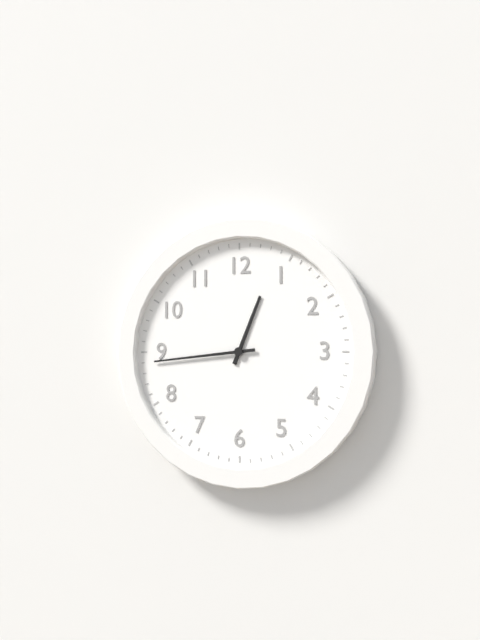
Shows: 12:44
